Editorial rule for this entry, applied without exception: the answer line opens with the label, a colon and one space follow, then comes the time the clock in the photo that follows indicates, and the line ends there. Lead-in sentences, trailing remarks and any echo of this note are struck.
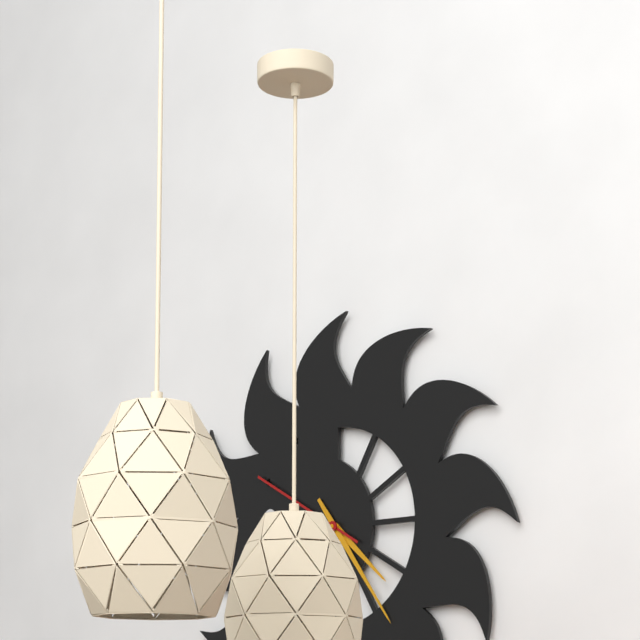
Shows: 4:24:50
